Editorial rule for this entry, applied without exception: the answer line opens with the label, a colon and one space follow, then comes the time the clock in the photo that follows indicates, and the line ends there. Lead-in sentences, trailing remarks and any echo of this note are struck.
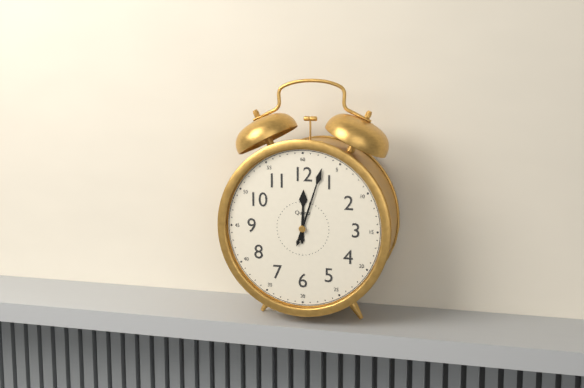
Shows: 12:03
